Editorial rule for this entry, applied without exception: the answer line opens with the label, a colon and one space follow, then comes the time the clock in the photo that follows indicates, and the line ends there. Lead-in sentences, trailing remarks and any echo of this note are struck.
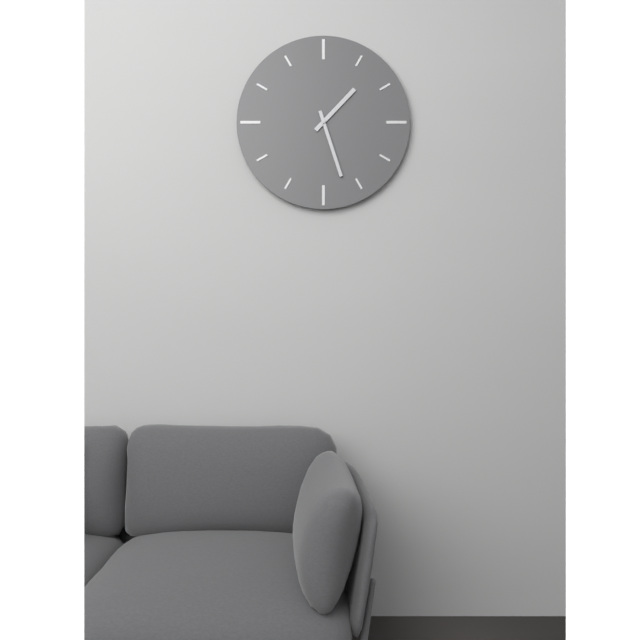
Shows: 1:27
